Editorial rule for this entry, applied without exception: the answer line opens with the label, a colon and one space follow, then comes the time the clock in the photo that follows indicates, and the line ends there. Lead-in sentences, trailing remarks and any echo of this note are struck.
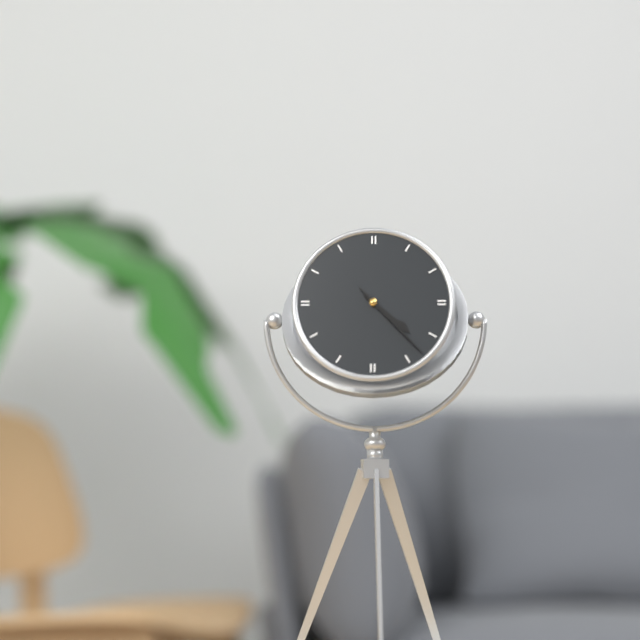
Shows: 4:23:23
